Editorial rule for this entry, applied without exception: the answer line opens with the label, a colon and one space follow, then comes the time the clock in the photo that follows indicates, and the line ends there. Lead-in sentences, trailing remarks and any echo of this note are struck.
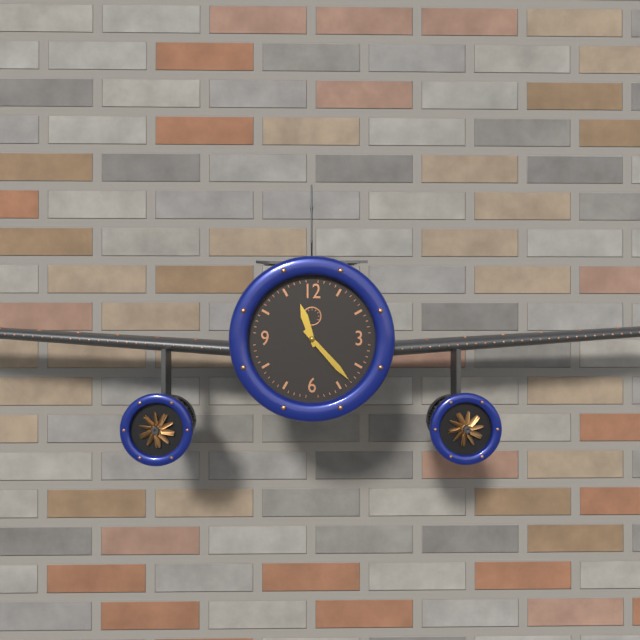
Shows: 11:23
